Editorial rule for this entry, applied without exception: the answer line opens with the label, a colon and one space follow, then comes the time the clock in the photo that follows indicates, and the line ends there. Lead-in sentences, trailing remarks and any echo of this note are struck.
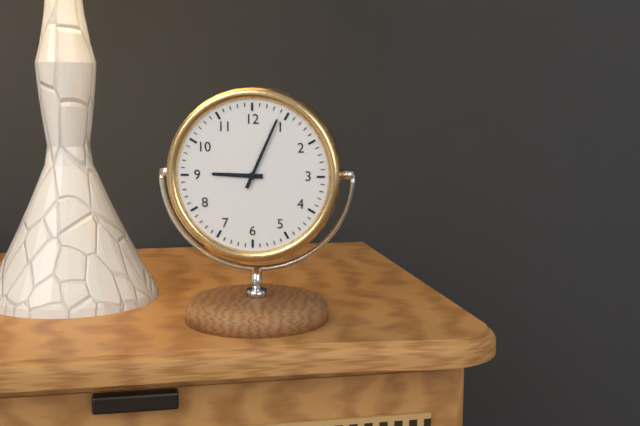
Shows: 9:04
